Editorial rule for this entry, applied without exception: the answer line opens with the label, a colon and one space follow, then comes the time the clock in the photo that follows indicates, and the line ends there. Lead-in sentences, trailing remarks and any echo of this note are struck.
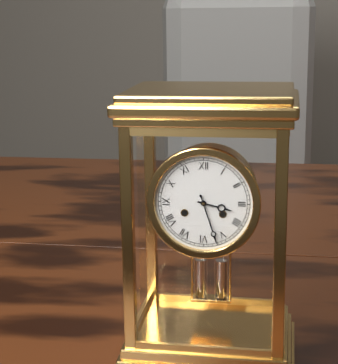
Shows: 3:27
